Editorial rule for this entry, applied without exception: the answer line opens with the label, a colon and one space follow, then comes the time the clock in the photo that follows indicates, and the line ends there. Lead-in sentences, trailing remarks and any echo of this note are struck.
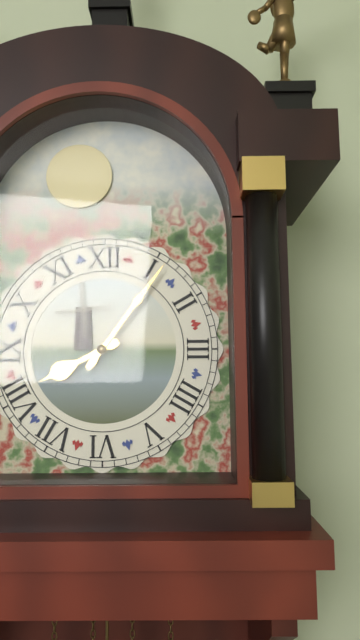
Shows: 8:06
